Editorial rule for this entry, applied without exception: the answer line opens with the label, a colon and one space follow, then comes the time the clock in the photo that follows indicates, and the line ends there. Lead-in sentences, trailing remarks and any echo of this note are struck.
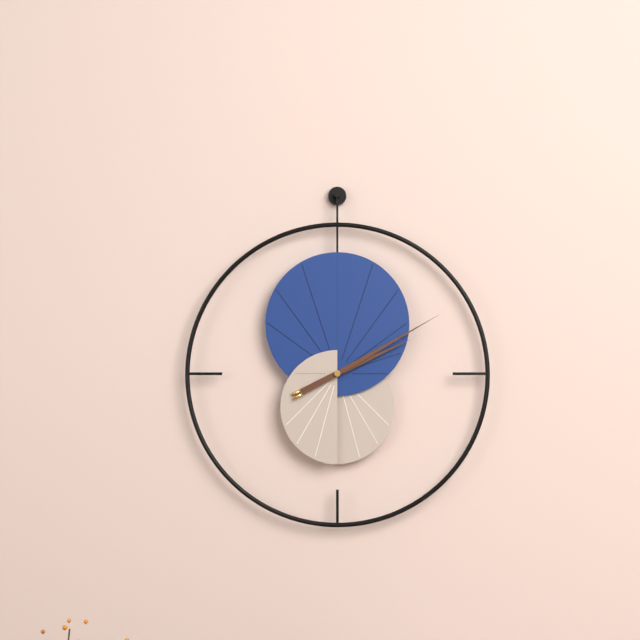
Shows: 2:10
